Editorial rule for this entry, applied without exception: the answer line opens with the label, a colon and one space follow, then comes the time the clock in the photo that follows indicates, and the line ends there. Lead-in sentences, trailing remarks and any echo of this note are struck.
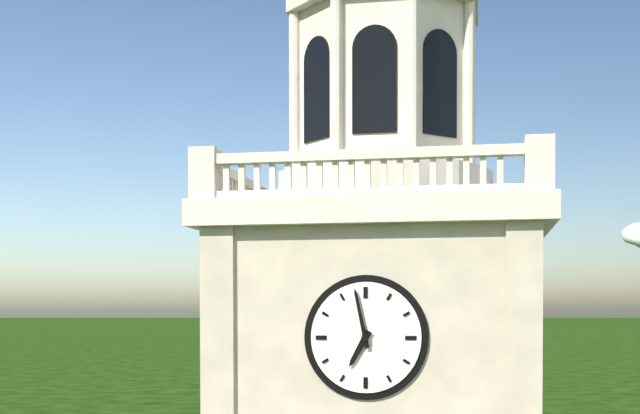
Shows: 6:58
